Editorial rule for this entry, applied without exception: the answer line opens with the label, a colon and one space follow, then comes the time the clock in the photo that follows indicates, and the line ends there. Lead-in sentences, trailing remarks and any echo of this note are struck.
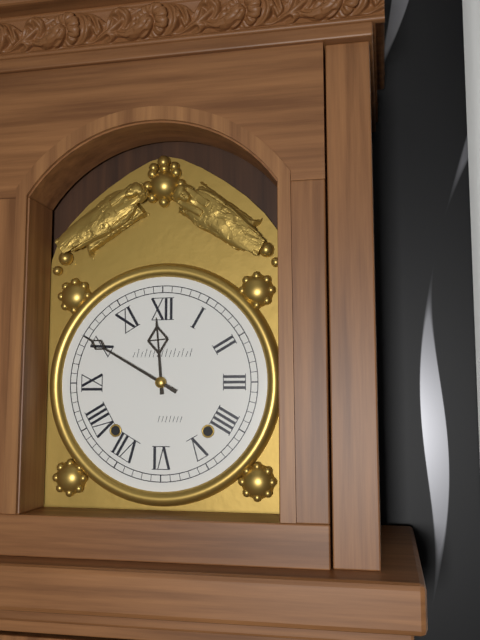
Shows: 11:50
